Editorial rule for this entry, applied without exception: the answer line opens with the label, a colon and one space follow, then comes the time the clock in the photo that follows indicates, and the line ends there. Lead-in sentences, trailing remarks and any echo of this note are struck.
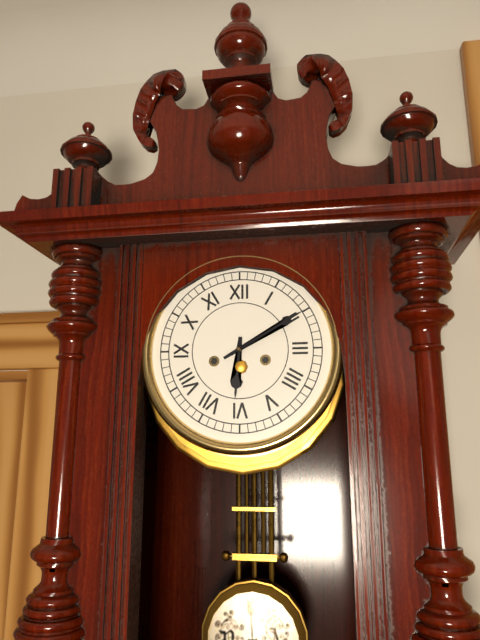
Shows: 6:10
